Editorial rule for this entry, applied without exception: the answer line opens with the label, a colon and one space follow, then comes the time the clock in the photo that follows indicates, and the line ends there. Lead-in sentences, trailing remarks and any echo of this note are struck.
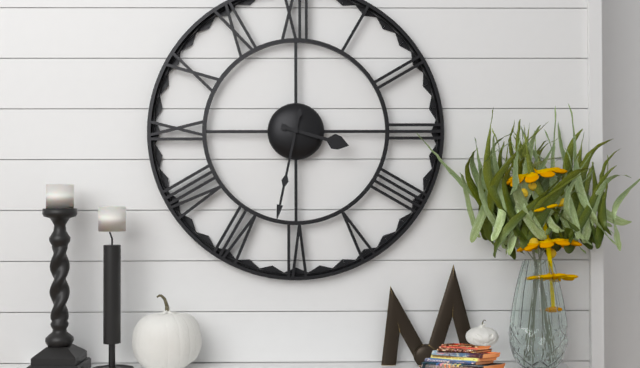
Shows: 3:32
